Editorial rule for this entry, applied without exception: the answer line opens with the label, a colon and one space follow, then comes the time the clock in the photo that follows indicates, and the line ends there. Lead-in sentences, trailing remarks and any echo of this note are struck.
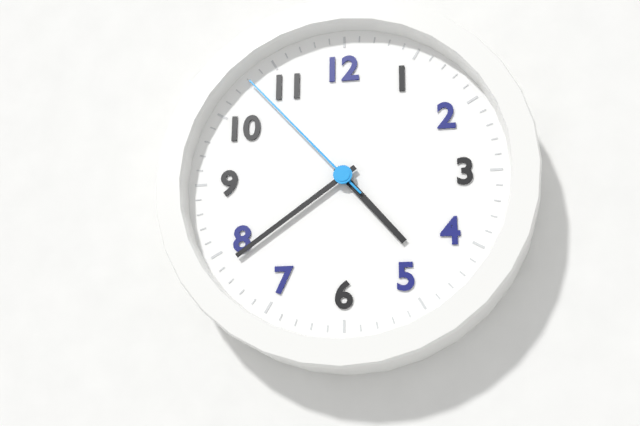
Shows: 4:39:53
